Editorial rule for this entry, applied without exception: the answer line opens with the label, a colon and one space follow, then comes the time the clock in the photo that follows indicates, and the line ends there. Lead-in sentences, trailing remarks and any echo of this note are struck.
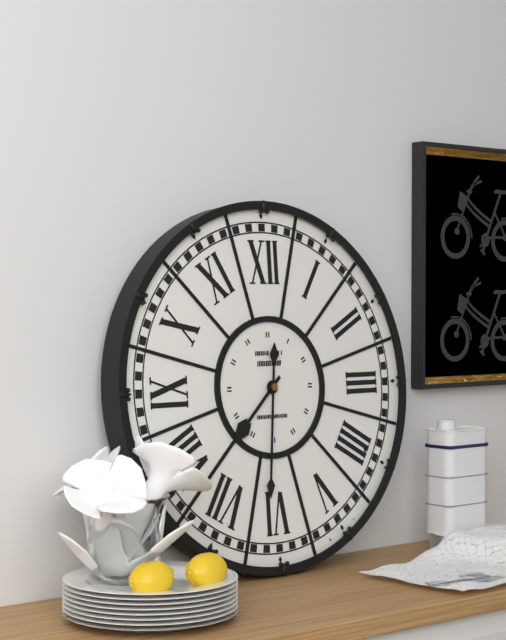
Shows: 7:31
